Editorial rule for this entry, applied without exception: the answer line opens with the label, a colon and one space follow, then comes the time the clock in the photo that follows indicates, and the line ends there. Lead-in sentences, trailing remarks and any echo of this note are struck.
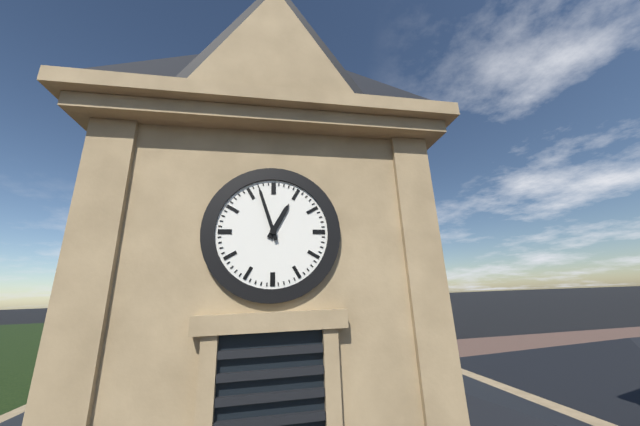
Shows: 12:57
